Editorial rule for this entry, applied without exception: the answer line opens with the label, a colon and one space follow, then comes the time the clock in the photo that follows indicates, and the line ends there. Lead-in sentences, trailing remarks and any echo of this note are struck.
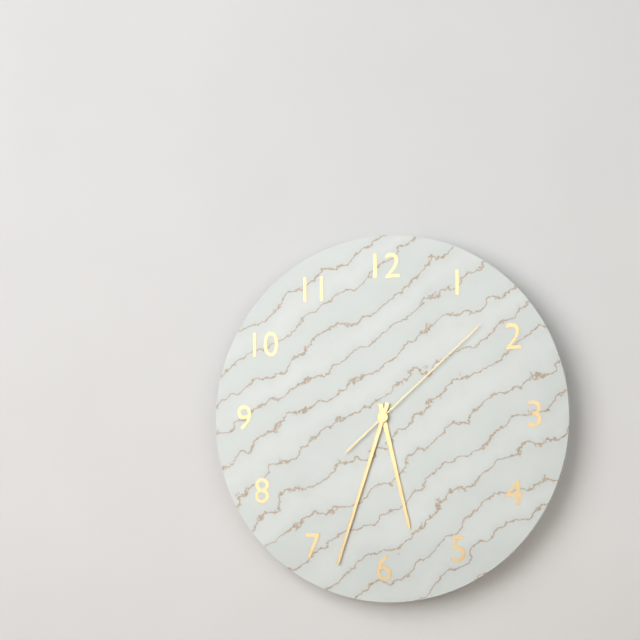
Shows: 5:33:08
